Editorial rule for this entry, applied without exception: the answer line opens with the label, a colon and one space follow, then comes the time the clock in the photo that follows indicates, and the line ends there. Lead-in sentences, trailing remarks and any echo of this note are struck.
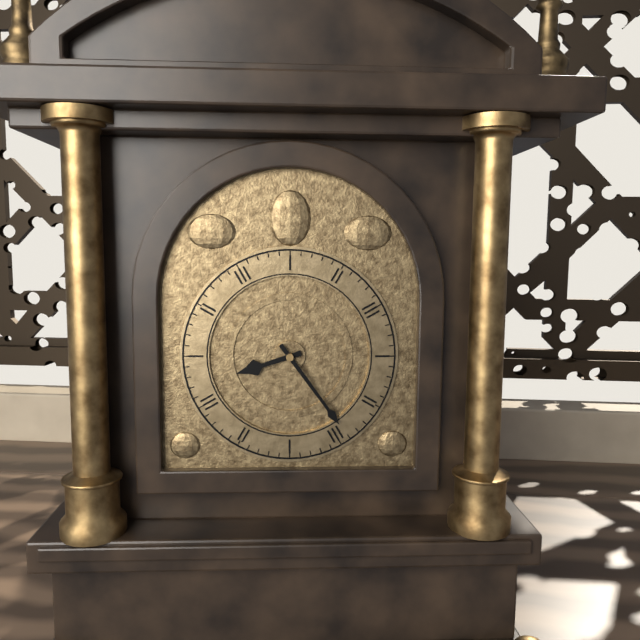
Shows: 8:24
